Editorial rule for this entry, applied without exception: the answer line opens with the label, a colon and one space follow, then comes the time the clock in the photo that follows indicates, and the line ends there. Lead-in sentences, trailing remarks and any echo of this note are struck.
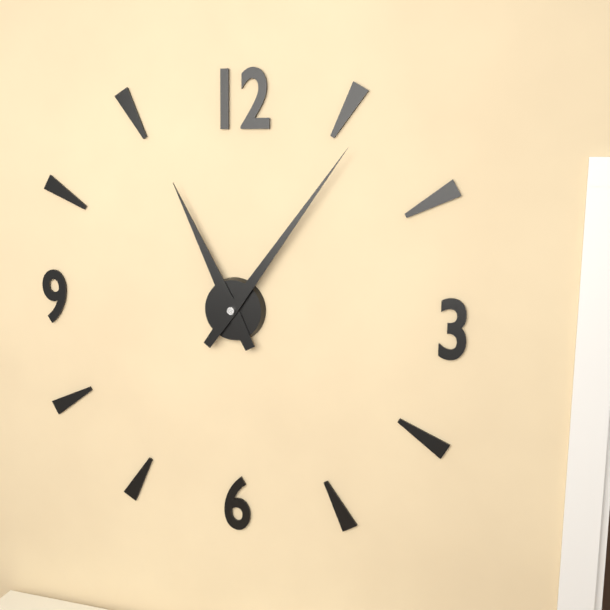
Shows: 11:06
